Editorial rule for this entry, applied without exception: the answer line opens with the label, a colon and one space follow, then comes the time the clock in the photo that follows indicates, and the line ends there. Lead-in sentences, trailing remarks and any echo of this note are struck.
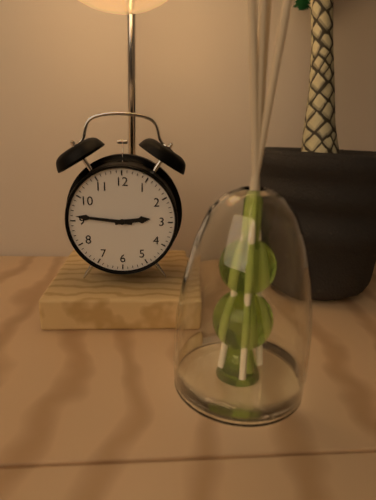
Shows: 2:46
